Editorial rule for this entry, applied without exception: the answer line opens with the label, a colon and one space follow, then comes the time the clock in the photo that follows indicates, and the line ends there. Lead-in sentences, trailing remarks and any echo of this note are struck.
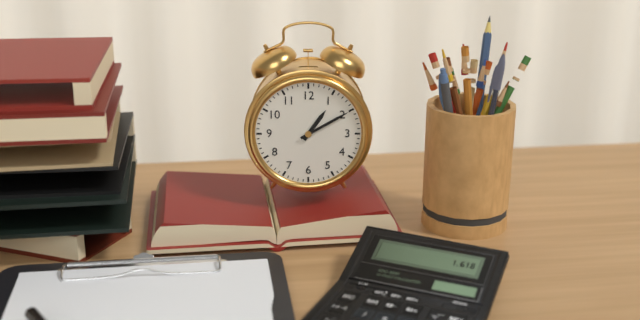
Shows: 1:10
